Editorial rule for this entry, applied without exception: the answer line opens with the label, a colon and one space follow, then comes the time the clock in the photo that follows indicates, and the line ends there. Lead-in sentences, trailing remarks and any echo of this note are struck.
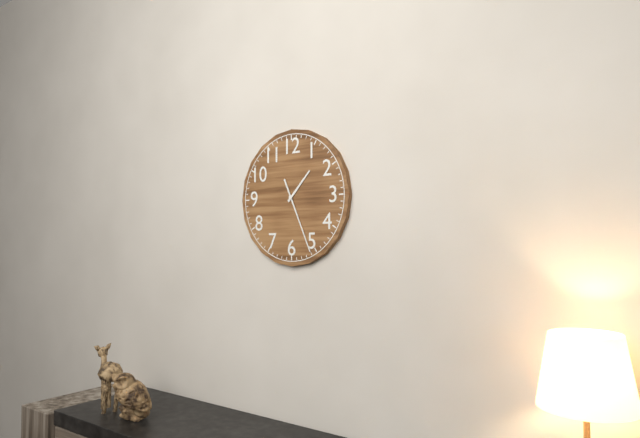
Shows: 1:26
